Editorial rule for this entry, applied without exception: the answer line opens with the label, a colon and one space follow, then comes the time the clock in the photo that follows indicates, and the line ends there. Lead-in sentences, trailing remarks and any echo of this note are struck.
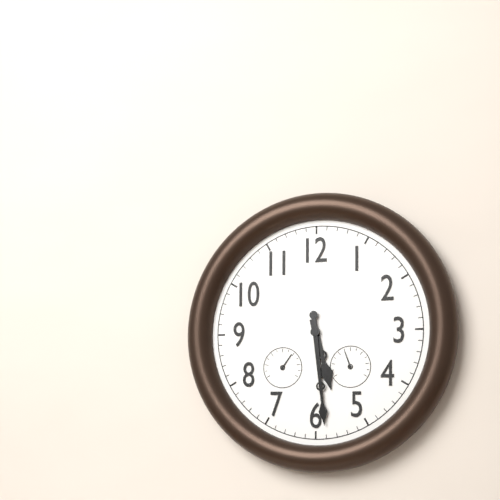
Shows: 5:29
